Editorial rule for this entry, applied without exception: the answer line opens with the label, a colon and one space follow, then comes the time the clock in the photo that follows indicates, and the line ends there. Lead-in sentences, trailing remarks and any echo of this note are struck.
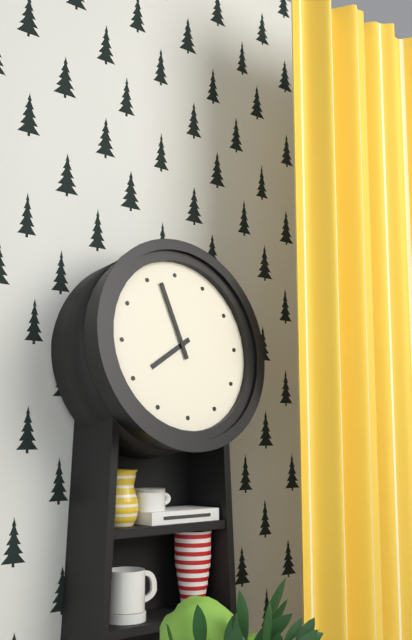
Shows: 7:57
